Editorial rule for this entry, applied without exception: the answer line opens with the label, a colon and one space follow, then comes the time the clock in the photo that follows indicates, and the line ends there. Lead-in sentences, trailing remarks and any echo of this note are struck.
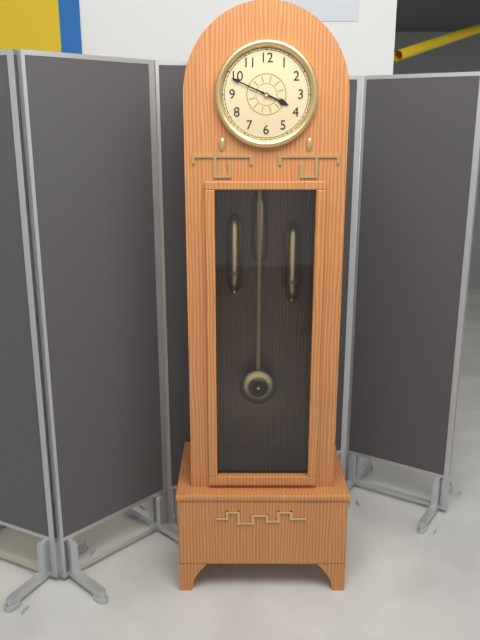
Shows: 3:49
